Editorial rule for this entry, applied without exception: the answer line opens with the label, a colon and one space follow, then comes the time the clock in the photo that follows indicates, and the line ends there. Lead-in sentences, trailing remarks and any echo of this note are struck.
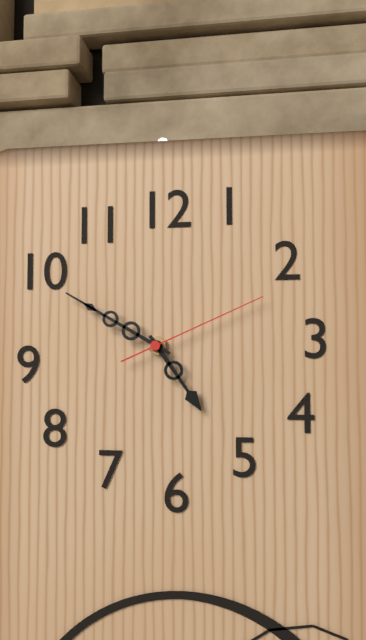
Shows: 4:50:11
